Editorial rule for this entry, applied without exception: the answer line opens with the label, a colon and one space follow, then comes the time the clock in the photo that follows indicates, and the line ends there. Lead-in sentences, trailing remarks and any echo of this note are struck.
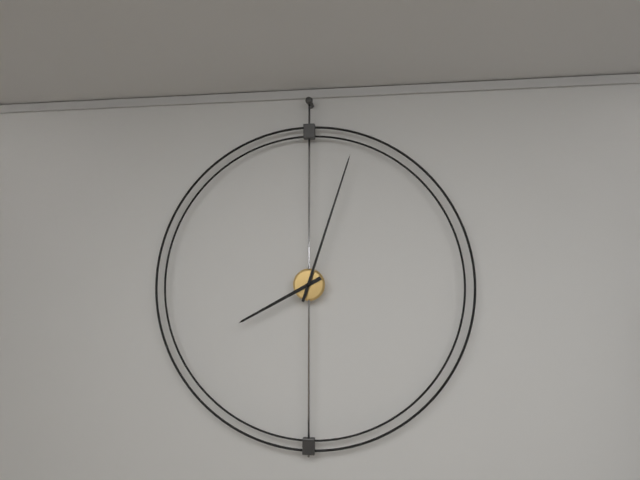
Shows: 8:03
